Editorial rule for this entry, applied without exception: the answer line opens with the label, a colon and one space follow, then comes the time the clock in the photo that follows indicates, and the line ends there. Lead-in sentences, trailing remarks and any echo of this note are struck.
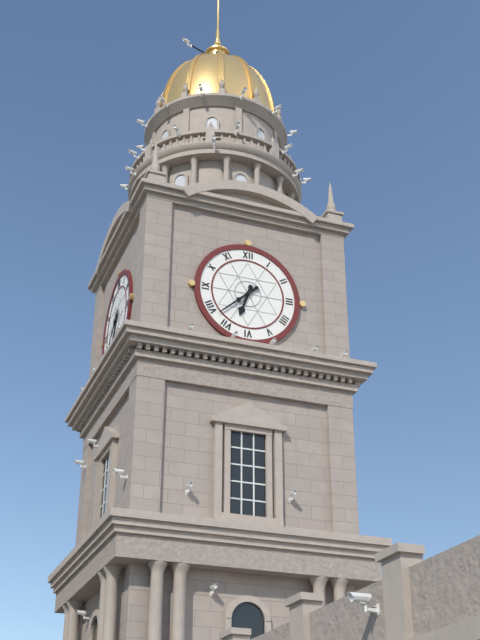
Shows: 6:38
